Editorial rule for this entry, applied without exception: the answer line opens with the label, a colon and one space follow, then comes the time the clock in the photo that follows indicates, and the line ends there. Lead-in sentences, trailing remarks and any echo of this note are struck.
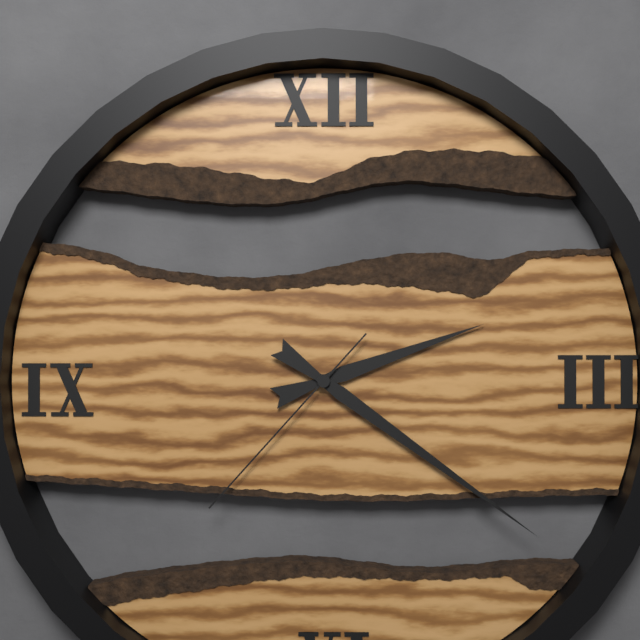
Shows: 2:21:37
